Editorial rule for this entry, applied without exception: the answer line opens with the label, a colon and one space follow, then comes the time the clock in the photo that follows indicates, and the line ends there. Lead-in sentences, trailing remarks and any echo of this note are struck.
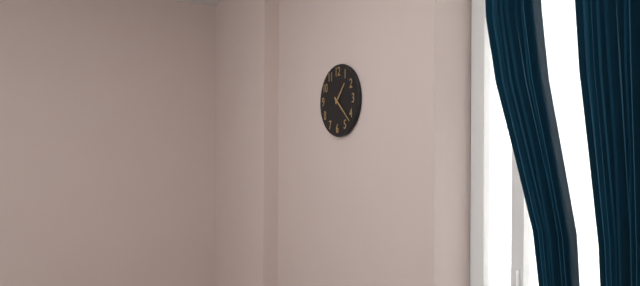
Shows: 1:22
